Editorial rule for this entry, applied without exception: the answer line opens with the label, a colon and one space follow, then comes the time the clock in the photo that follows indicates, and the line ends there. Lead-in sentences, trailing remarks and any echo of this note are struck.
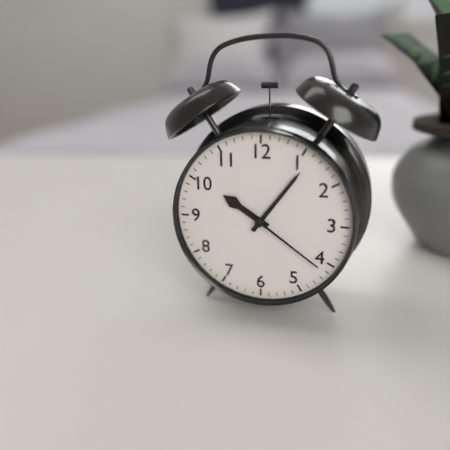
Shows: 10:06:21
